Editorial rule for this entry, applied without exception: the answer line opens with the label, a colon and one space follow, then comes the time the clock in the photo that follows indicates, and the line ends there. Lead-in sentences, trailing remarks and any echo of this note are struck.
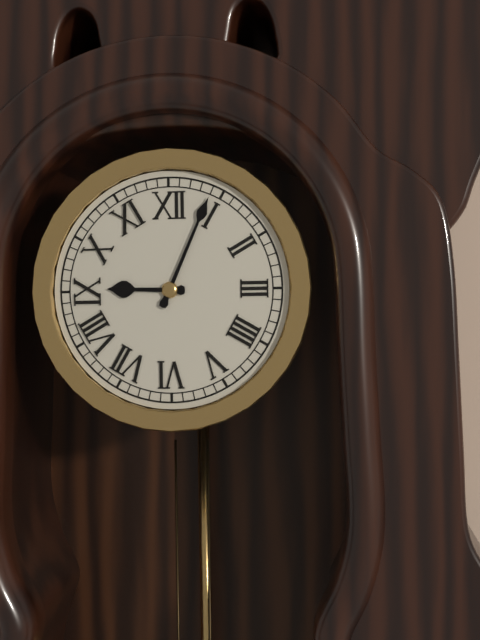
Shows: 9:04
